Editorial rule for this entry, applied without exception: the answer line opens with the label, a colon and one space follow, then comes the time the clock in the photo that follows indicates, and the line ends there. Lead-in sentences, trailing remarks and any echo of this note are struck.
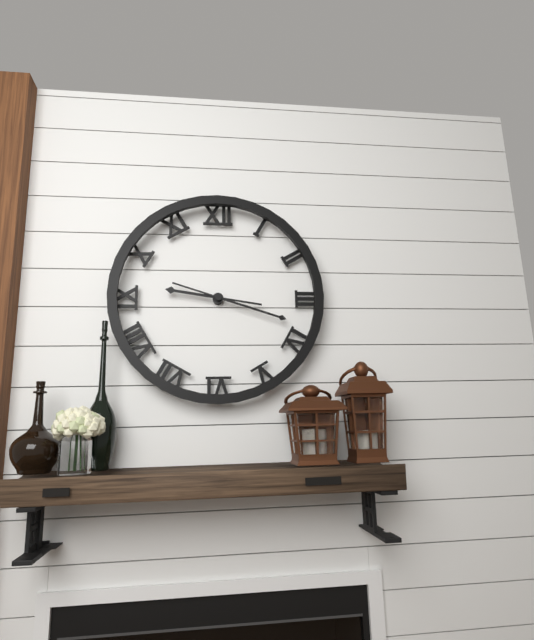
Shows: 9:18
